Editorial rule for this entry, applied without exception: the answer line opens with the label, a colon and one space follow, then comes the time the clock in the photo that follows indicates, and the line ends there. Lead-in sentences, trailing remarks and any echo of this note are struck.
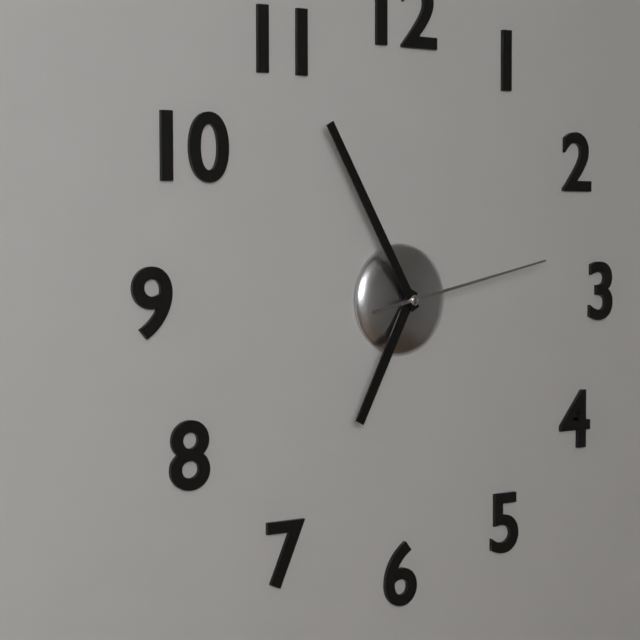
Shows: 6:55:13
